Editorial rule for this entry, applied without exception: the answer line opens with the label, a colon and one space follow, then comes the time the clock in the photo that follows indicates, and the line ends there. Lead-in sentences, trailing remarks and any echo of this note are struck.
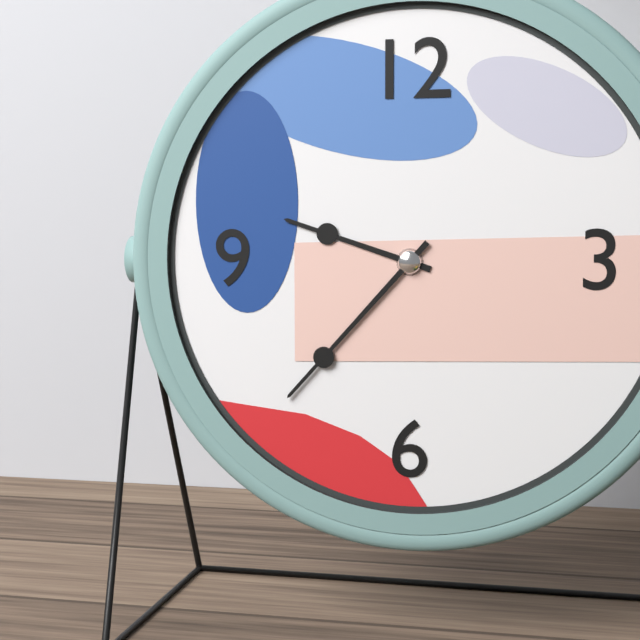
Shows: 9:37
